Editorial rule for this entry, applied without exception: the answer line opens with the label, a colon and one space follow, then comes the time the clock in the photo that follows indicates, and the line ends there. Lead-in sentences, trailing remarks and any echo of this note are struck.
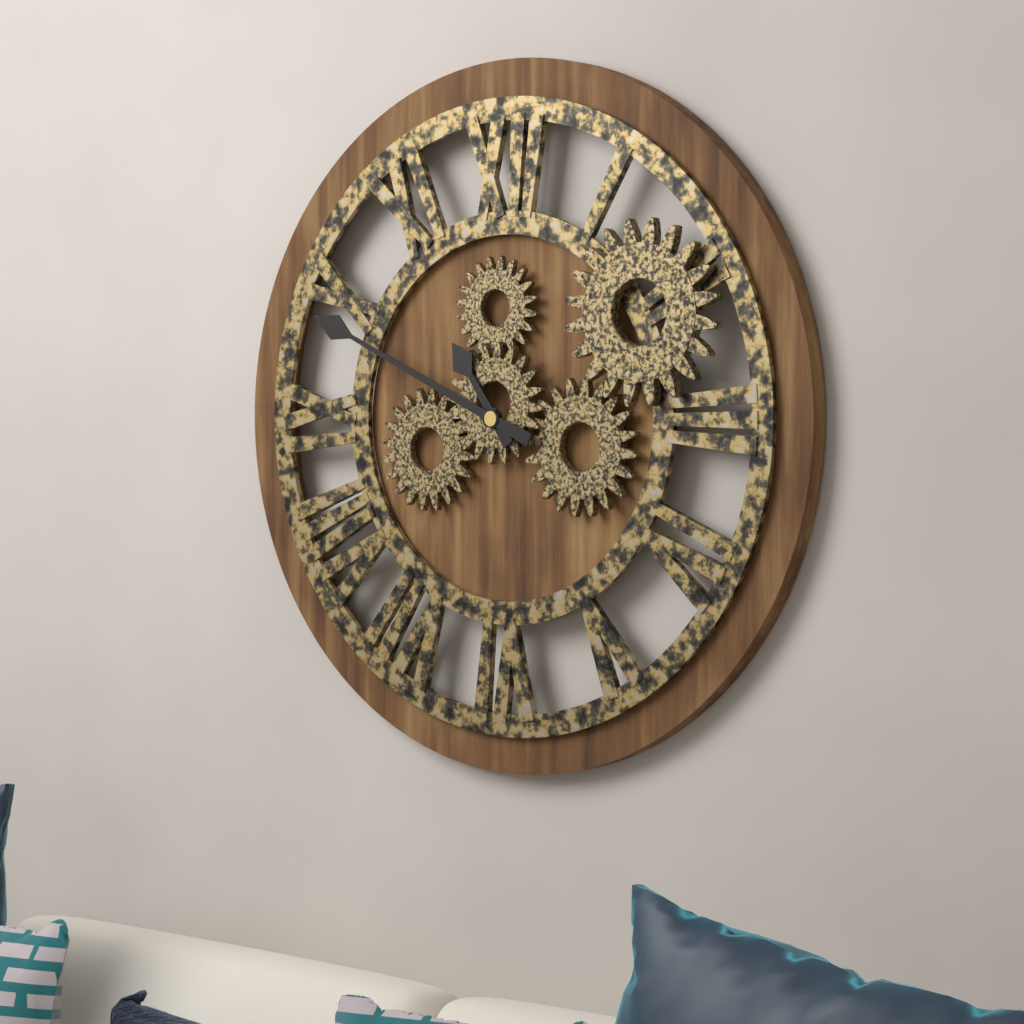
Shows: 10:49
